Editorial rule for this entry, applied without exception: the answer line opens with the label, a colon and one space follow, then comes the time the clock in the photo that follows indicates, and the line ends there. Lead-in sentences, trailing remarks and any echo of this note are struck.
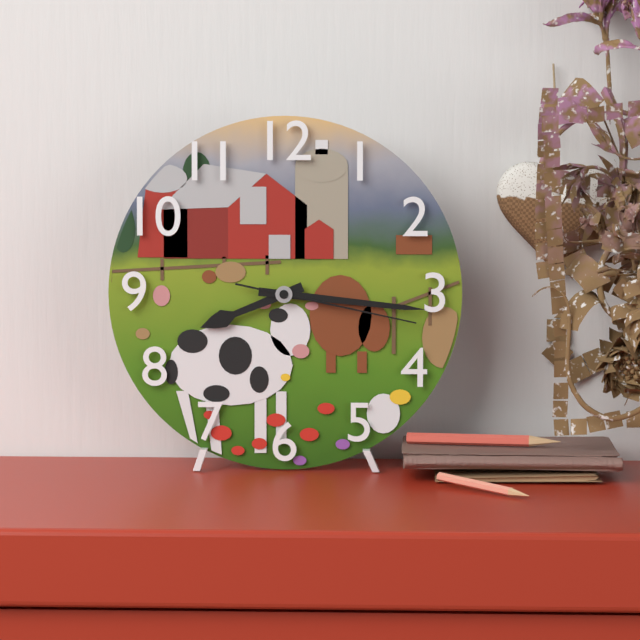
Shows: 8:16:17
